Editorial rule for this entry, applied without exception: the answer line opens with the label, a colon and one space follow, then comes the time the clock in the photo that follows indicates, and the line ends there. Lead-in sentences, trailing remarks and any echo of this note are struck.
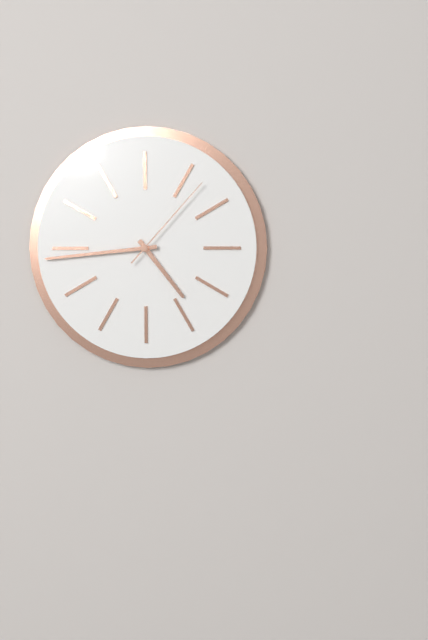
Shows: 4:44:07
